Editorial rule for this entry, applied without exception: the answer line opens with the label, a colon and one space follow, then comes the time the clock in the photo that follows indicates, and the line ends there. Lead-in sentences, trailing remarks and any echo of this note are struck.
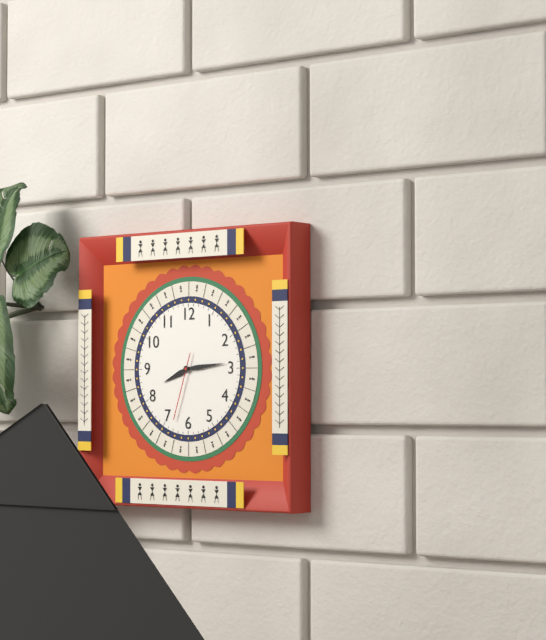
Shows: 8:14:33
